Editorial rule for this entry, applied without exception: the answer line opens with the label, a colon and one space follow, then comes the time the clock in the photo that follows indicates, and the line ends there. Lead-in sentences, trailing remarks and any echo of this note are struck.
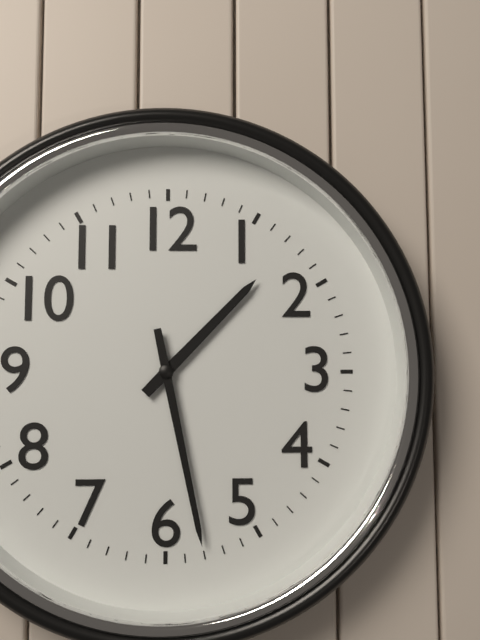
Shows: 1:28
